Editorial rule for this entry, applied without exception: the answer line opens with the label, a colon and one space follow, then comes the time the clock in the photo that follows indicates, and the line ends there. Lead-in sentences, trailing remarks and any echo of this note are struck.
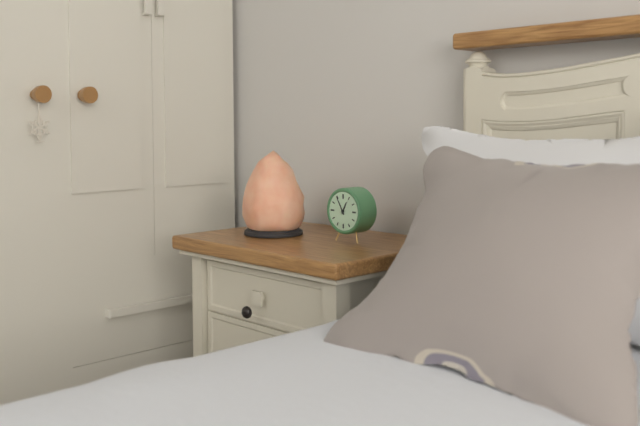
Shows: 12:55
